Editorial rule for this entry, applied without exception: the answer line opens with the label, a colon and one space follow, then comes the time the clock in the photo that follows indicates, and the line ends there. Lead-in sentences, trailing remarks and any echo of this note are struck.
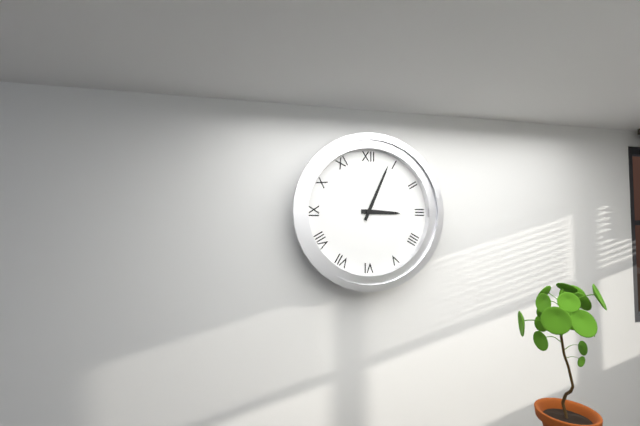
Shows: 3:04
